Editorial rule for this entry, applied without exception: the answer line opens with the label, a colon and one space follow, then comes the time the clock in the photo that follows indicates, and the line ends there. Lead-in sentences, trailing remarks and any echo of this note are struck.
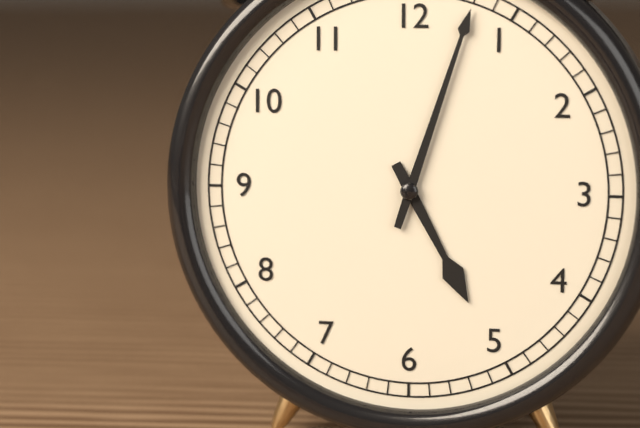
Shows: 5:03
